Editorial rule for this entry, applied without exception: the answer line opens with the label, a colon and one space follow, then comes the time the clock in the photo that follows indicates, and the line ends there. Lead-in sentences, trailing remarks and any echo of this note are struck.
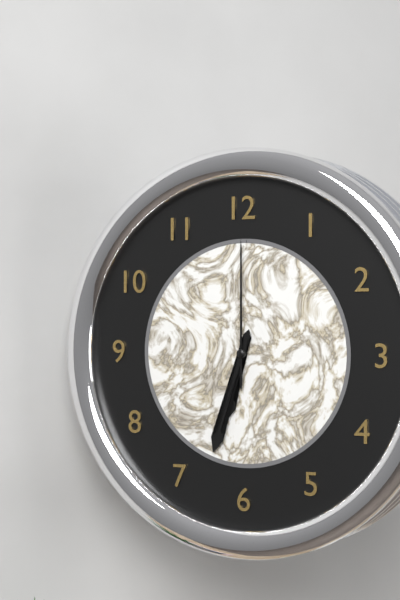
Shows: 6:33:00
